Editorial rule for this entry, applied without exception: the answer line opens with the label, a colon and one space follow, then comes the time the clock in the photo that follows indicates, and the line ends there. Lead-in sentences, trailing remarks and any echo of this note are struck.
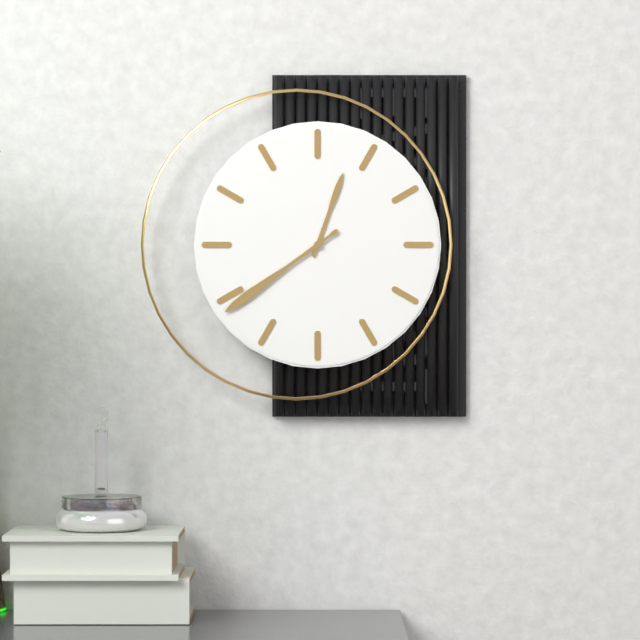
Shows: 12:39
